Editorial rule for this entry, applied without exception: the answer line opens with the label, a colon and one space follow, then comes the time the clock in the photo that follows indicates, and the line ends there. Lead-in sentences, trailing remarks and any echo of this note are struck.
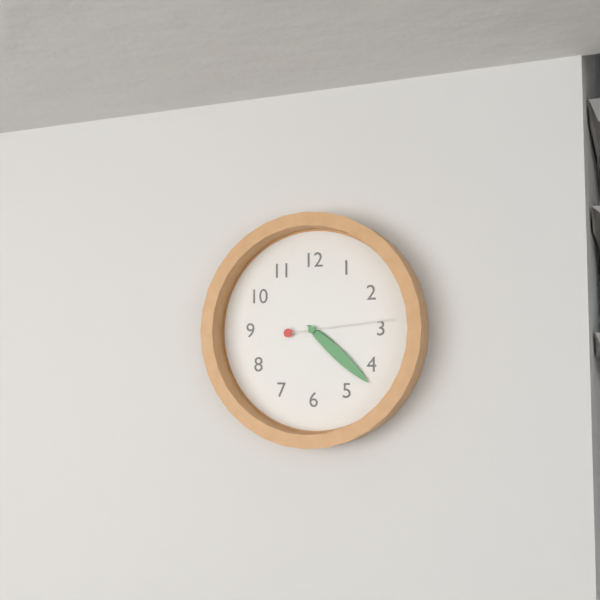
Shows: 4:22:14
